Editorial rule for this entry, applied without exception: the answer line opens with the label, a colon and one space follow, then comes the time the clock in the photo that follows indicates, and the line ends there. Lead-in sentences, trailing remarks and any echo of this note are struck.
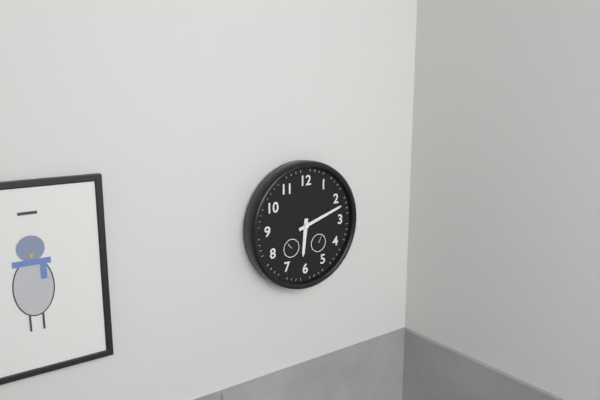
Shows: 6:12
